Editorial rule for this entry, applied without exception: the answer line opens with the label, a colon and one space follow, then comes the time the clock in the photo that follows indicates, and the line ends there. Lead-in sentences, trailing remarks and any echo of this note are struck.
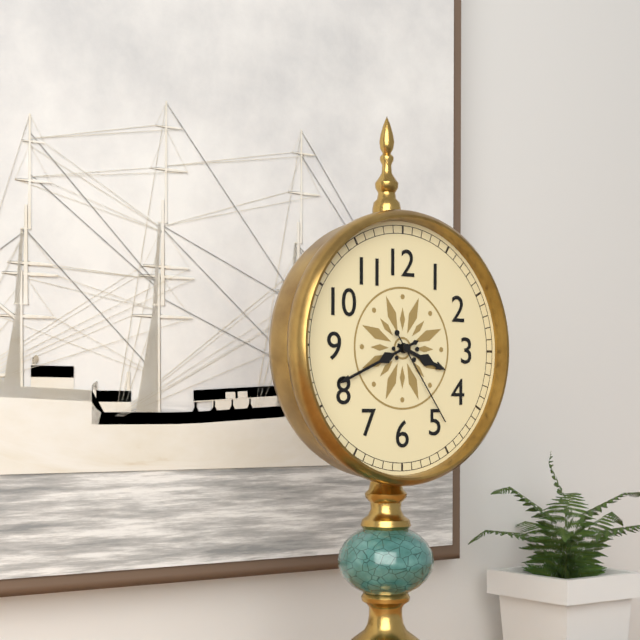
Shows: 3:41:24
